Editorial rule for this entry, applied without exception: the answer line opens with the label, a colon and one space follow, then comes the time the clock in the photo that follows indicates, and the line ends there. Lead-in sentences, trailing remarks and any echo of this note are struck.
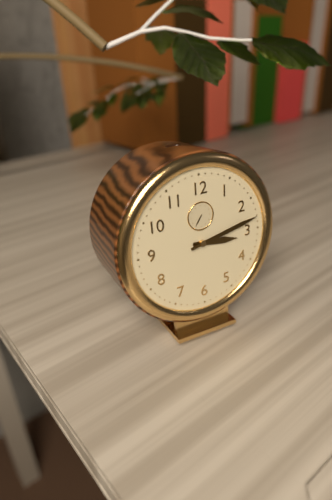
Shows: 3:13
